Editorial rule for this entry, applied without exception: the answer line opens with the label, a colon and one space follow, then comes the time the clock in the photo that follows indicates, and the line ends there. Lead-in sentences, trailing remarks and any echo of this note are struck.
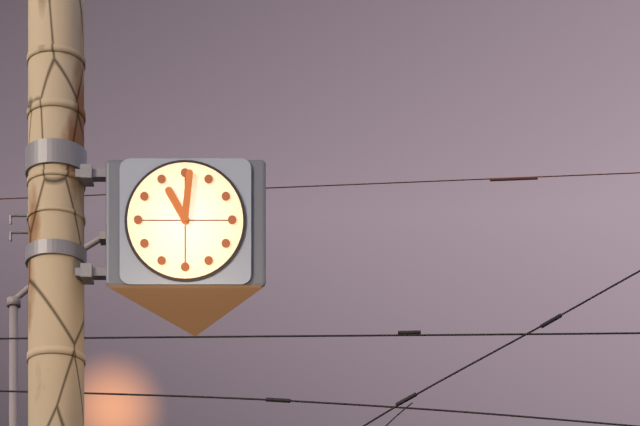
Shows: 11:01
